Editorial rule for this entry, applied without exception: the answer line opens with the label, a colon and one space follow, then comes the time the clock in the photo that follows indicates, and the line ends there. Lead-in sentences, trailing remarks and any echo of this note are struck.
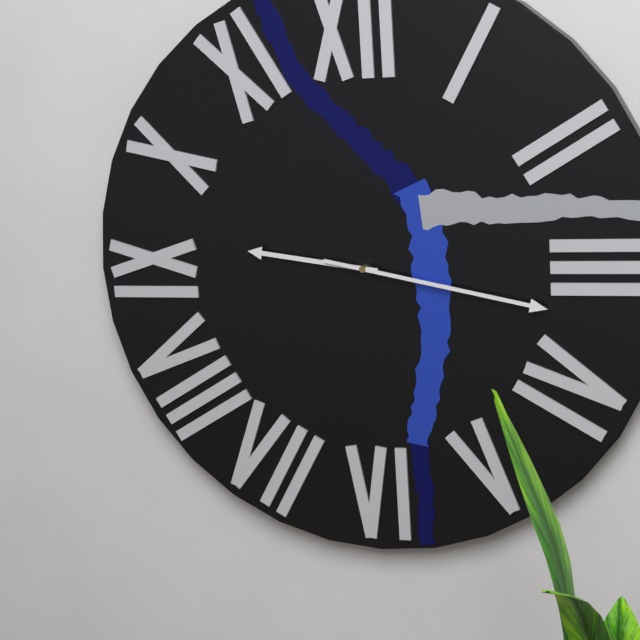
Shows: 9:17
